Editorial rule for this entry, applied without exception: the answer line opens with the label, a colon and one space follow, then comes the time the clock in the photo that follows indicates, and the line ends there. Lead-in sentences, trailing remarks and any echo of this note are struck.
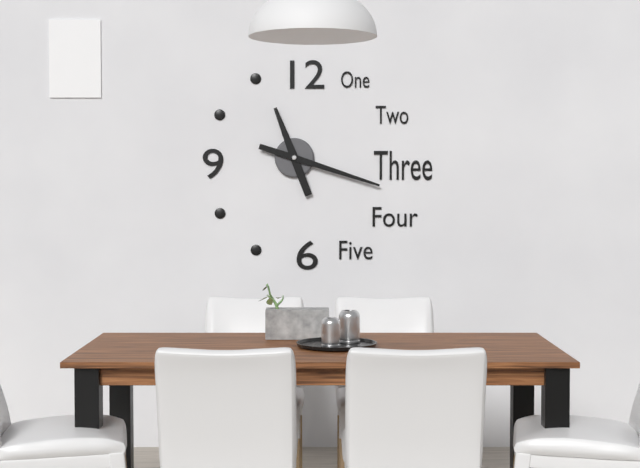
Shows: 11:18
